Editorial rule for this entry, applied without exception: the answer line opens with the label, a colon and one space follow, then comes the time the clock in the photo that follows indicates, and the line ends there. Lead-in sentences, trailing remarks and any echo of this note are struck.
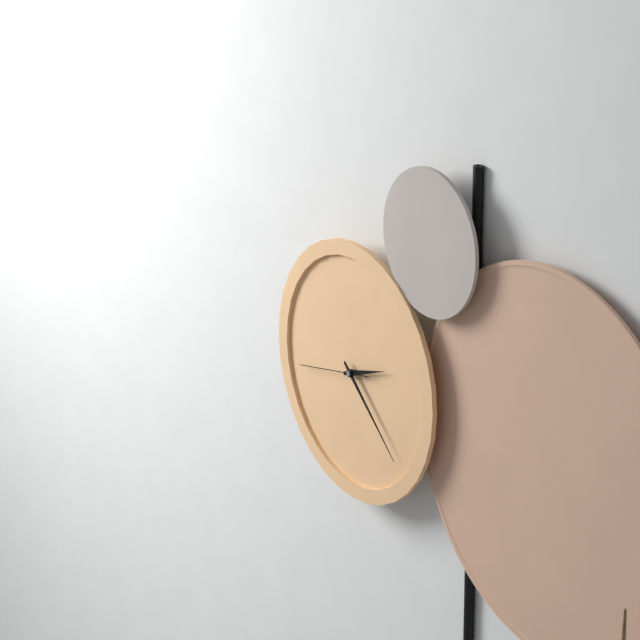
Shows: 2:22:43
